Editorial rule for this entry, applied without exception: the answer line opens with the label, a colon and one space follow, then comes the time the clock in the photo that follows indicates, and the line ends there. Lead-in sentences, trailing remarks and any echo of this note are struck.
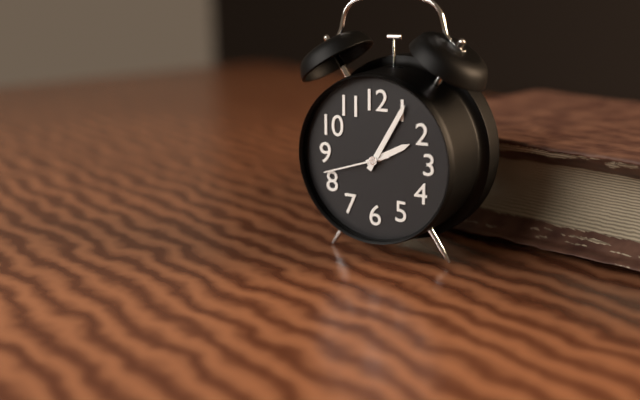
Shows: 2:05:42
